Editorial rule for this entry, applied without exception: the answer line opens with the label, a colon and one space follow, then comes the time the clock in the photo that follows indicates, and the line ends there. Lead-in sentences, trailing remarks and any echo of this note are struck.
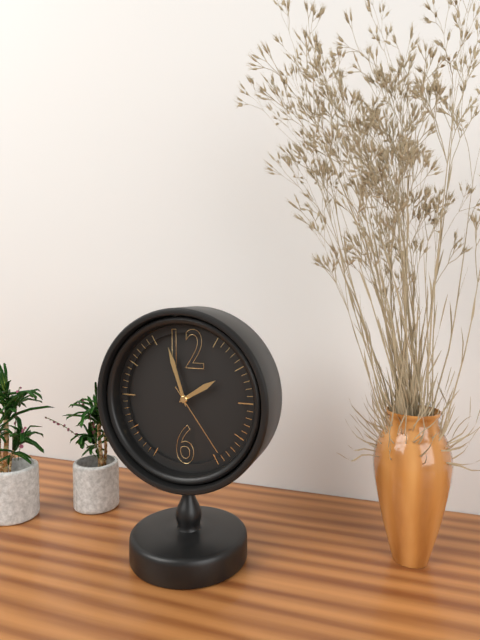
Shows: 1:57:24
